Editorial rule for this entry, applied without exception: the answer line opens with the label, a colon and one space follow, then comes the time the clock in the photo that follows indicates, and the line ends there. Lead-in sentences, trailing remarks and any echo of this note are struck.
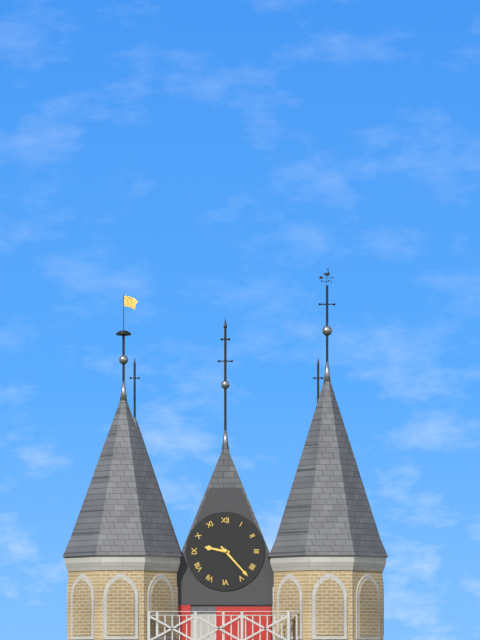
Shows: 9:23
